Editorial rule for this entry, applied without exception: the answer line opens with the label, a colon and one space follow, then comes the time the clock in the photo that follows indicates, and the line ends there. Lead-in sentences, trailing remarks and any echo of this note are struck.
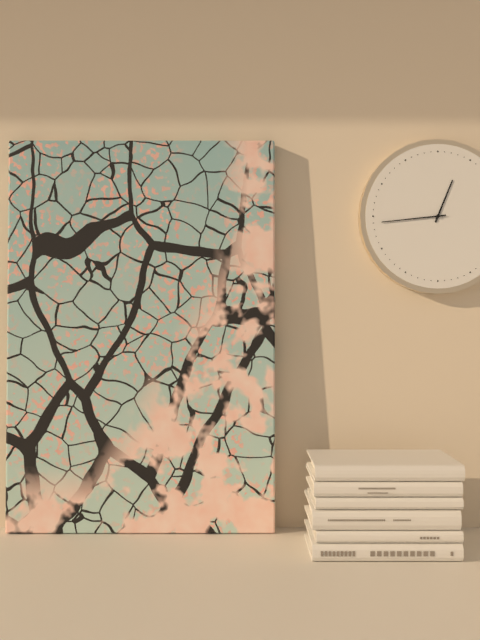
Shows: 12:44
